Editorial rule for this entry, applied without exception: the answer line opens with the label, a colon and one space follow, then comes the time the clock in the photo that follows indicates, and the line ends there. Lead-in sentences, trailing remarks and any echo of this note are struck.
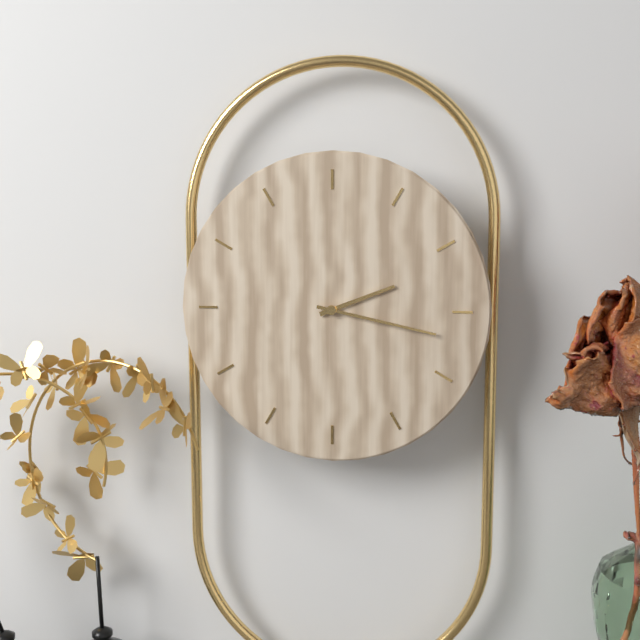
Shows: 2:17
